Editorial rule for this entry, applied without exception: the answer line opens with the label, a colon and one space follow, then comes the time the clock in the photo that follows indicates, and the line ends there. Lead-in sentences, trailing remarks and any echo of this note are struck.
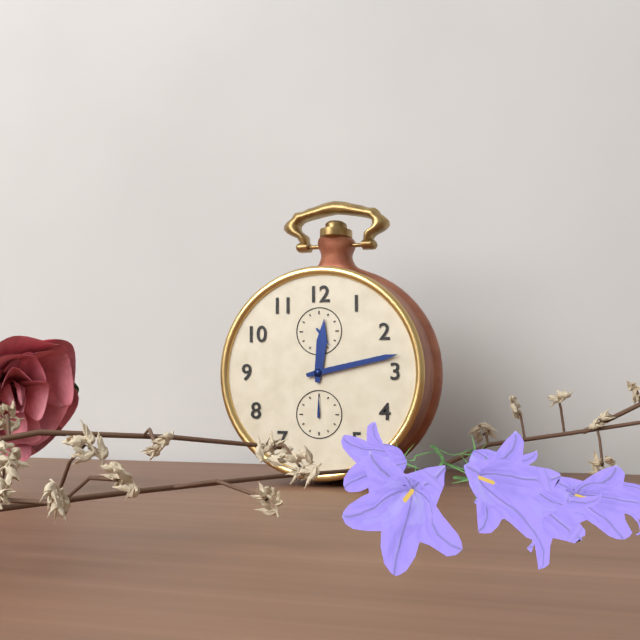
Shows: 12:13
